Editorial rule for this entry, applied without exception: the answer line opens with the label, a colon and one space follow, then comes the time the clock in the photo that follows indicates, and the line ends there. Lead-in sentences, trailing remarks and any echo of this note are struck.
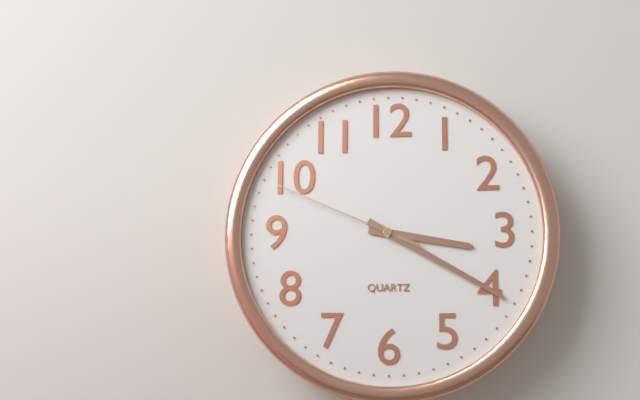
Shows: 3:20:49
